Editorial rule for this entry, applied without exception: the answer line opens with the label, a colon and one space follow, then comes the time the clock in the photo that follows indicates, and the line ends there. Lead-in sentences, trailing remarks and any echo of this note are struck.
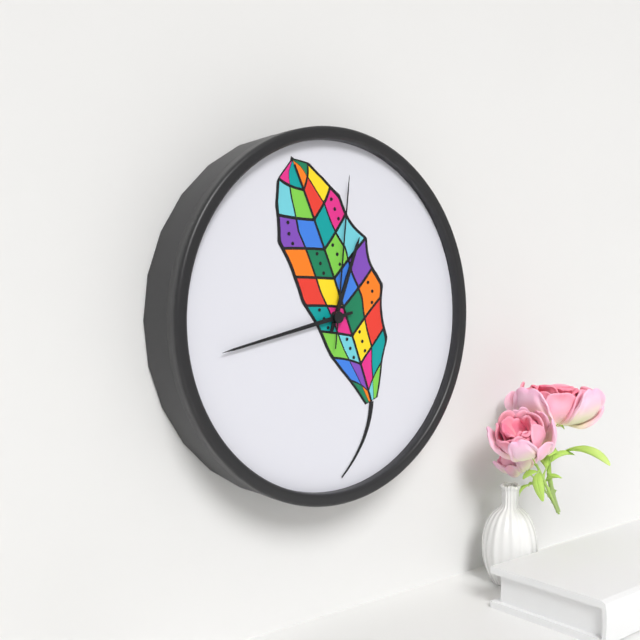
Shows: 12:43:01
